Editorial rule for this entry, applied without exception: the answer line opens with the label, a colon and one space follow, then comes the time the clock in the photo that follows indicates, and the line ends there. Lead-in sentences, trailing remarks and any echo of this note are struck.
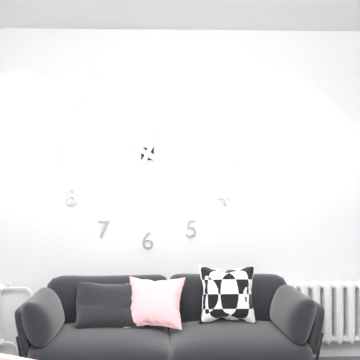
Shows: 10:04
